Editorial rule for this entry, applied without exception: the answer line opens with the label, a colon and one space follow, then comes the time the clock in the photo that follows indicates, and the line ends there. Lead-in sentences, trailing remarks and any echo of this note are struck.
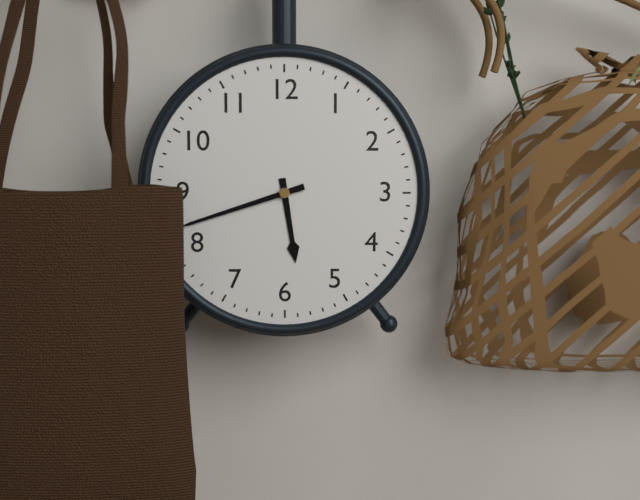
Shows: 5:42
